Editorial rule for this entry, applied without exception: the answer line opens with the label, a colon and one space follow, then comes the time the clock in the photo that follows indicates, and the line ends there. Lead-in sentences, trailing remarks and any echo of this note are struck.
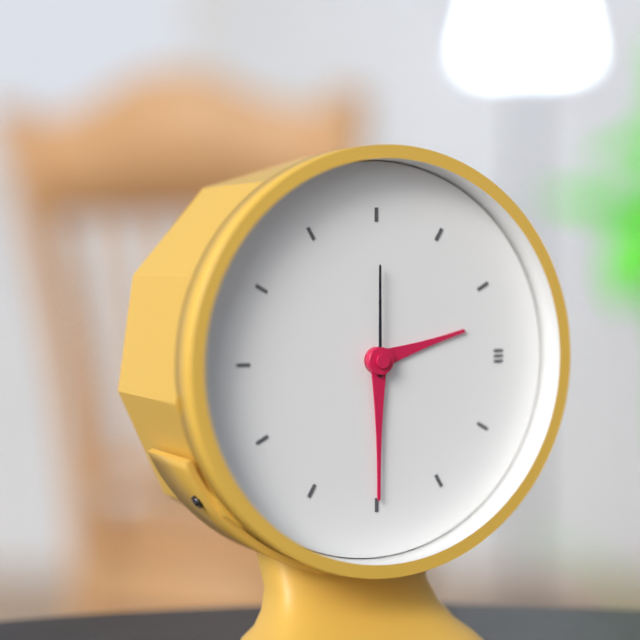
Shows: 2:30:00
